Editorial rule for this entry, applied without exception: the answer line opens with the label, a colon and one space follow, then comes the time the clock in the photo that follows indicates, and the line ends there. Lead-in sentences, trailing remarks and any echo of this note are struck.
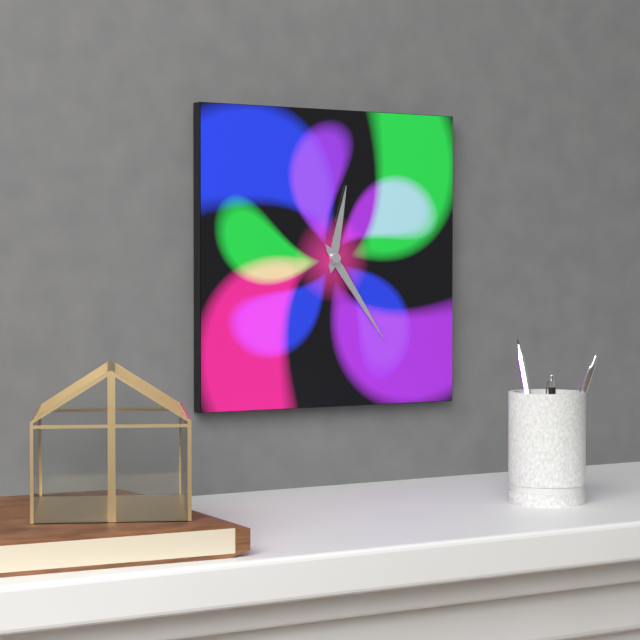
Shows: 12:24
